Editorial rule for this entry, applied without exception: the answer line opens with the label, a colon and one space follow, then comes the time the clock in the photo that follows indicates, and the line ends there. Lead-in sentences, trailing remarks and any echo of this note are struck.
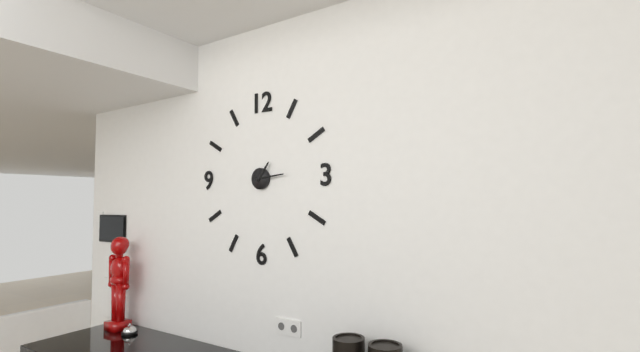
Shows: 1:14
